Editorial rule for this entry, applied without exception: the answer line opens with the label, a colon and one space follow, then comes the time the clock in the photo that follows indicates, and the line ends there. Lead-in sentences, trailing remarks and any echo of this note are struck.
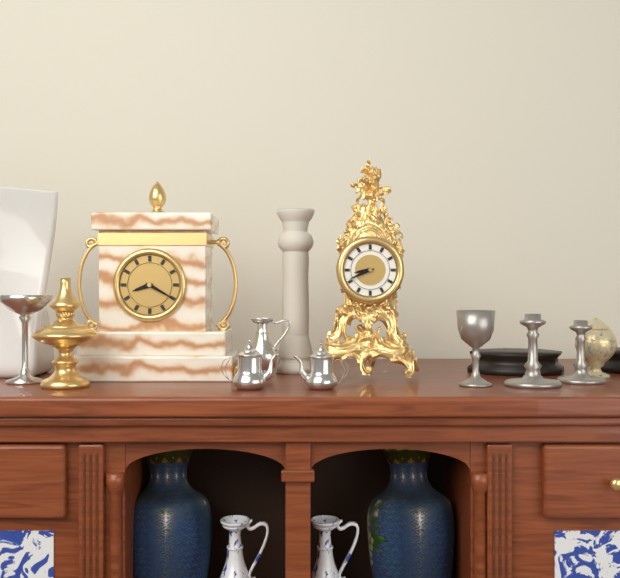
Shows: 8:41
